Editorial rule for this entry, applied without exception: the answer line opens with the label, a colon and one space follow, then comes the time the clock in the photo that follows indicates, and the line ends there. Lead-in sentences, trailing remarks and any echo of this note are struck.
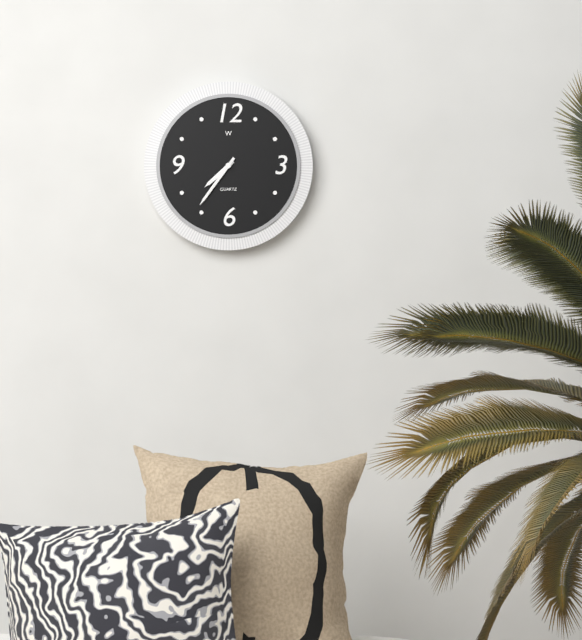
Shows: 7:36
